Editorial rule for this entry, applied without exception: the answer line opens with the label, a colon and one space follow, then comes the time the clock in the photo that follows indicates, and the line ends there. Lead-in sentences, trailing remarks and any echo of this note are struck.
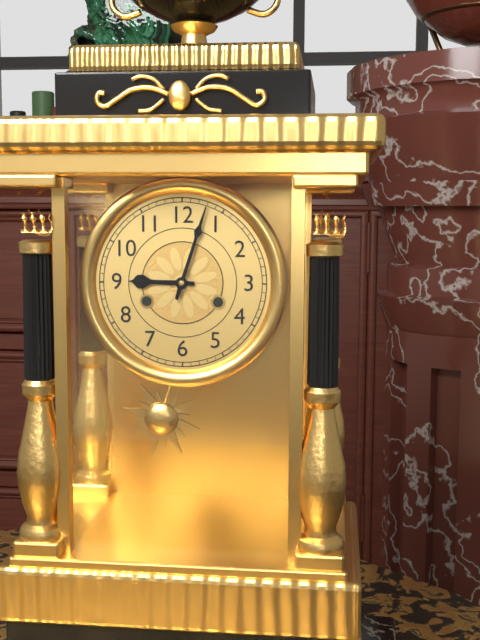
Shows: 9:03
